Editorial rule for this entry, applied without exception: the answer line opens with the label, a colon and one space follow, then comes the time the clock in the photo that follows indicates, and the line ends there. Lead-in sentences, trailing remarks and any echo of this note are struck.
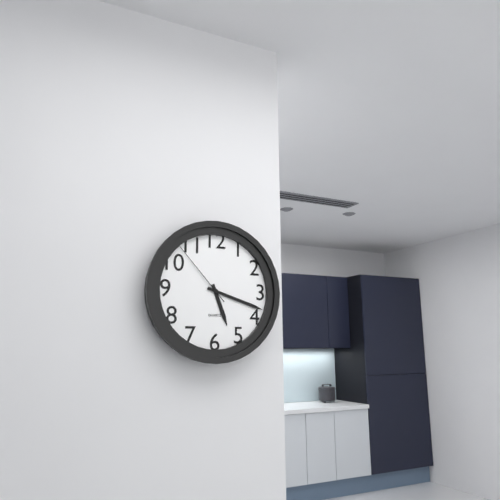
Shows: 5:18:53
